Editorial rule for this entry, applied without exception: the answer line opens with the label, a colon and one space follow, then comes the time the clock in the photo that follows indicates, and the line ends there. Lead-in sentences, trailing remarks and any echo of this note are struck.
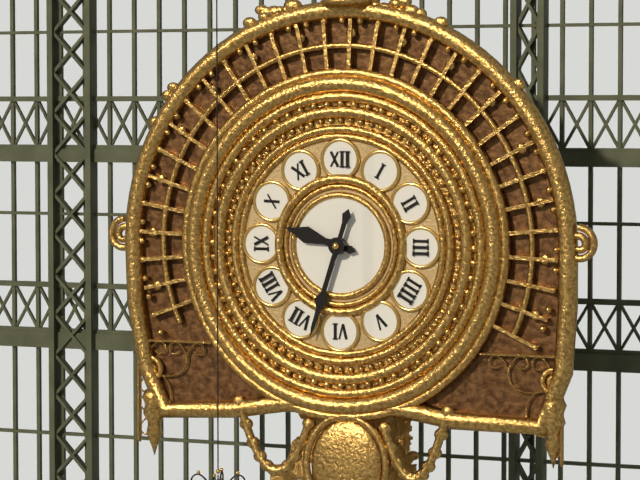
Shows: 9:33
